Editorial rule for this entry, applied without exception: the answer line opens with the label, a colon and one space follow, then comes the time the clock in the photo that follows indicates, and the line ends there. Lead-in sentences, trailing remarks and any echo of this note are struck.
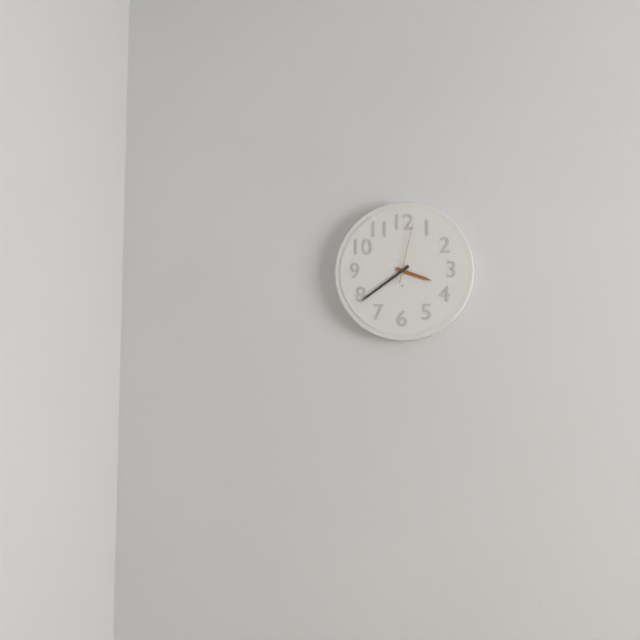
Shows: 3:39:02
